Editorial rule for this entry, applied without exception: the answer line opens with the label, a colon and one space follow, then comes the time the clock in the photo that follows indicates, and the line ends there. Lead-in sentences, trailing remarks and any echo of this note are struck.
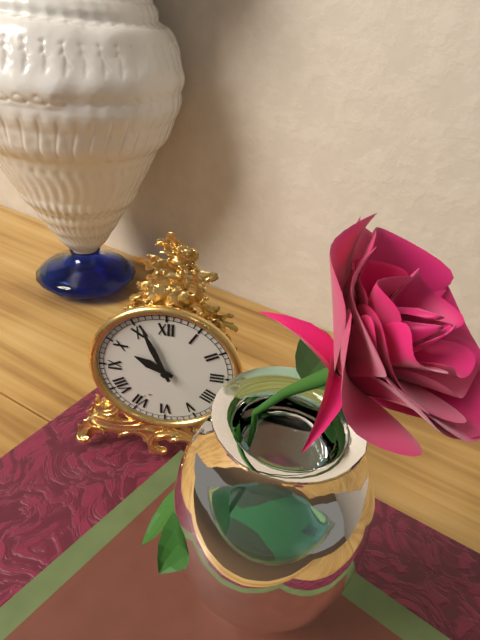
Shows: 9:56
